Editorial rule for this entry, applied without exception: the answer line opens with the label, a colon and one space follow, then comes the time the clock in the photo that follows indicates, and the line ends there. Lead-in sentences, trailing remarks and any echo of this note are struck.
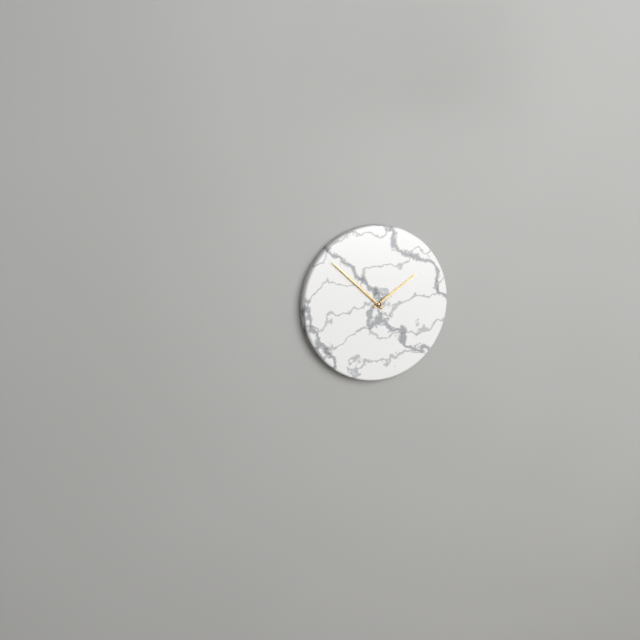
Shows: 1:52
